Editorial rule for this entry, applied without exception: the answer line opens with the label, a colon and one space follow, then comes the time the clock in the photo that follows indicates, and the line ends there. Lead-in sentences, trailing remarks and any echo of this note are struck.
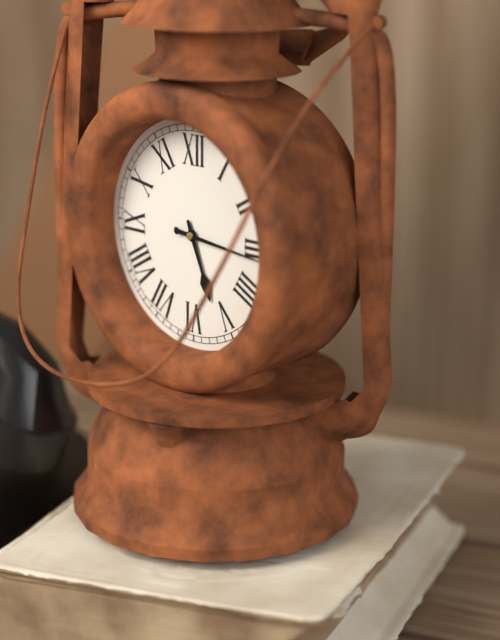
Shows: 5:16
